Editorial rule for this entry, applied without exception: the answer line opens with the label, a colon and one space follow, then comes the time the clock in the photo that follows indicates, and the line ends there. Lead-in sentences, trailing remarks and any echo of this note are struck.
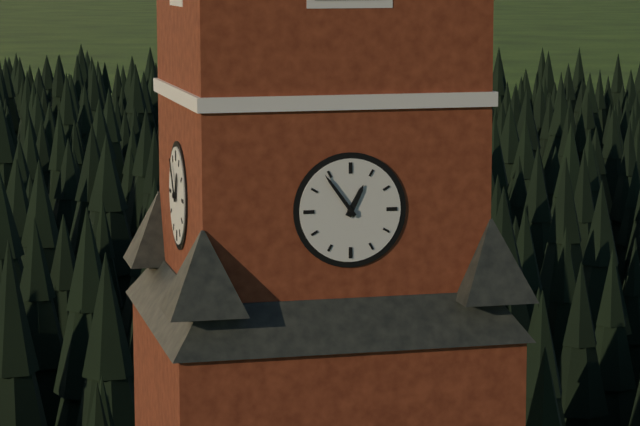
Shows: 12:54
